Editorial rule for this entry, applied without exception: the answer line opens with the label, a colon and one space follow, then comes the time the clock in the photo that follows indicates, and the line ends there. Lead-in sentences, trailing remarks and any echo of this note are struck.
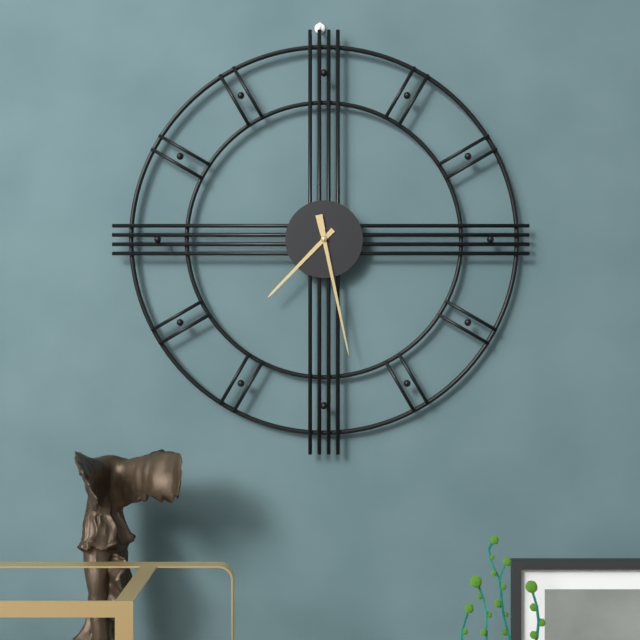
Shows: 7:28
